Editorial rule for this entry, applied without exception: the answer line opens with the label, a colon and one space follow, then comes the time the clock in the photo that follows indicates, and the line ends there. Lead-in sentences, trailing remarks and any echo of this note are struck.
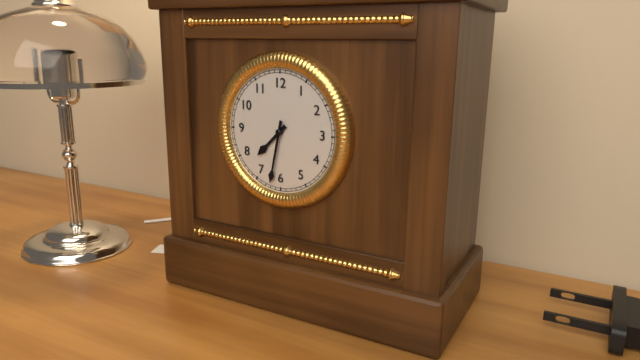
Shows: 7:32
